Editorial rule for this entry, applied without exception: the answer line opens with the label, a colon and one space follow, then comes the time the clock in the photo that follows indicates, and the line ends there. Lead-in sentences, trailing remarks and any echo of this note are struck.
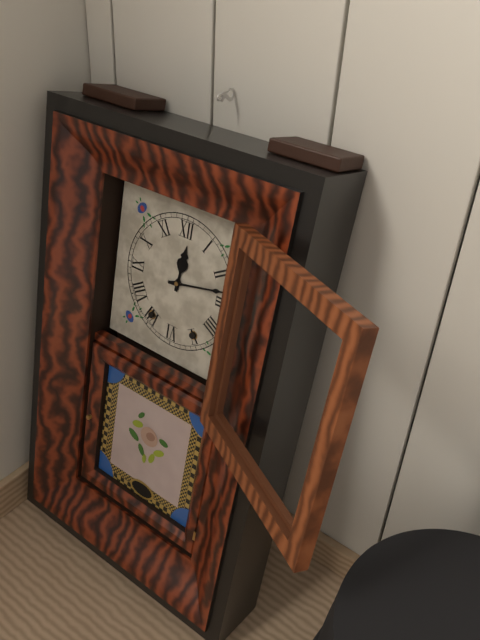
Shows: 12:13
